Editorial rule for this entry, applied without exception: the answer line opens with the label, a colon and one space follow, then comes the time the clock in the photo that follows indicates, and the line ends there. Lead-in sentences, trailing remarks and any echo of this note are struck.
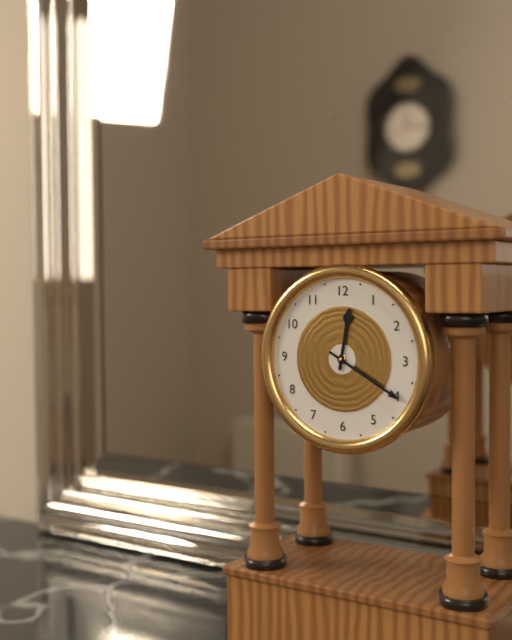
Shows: 12:20
